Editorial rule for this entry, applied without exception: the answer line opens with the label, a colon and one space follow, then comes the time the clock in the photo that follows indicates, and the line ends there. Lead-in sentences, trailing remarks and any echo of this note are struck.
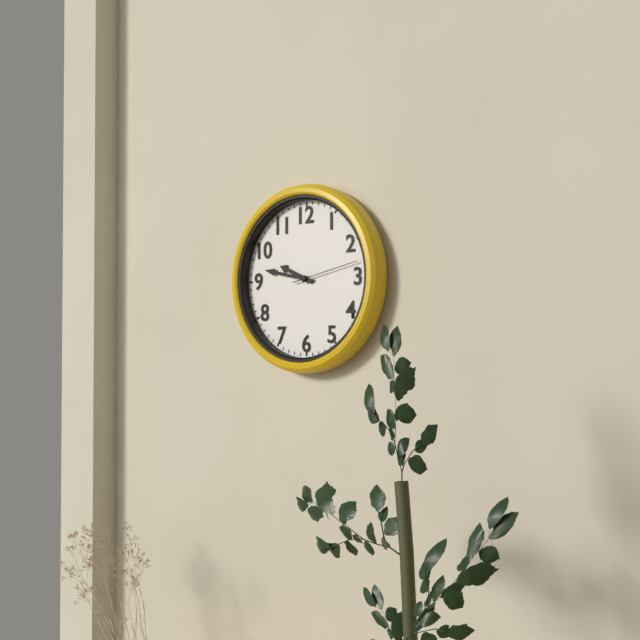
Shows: 9:47:13
